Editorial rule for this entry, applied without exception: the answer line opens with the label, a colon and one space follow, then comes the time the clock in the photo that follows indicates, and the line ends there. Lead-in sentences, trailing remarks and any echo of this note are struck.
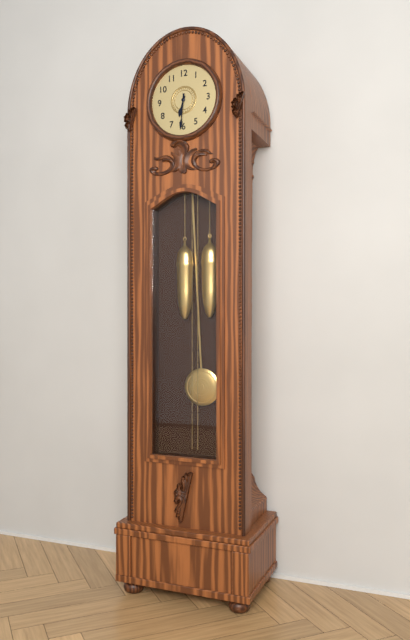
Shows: 6:31
